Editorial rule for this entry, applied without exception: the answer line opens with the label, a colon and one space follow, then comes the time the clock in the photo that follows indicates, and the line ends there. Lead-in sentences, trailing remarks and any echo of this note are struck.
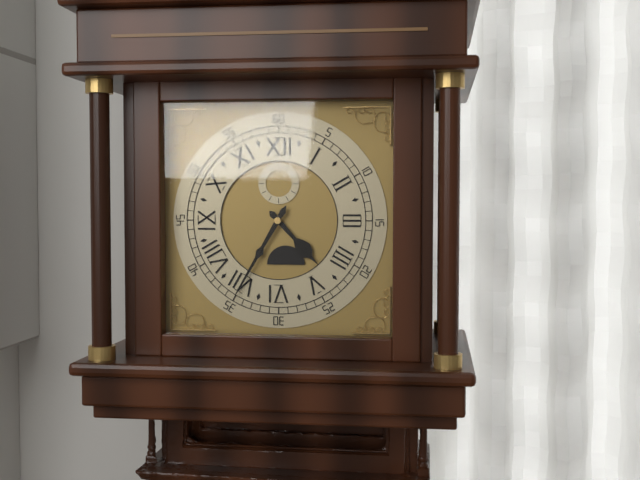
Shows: 4:35
